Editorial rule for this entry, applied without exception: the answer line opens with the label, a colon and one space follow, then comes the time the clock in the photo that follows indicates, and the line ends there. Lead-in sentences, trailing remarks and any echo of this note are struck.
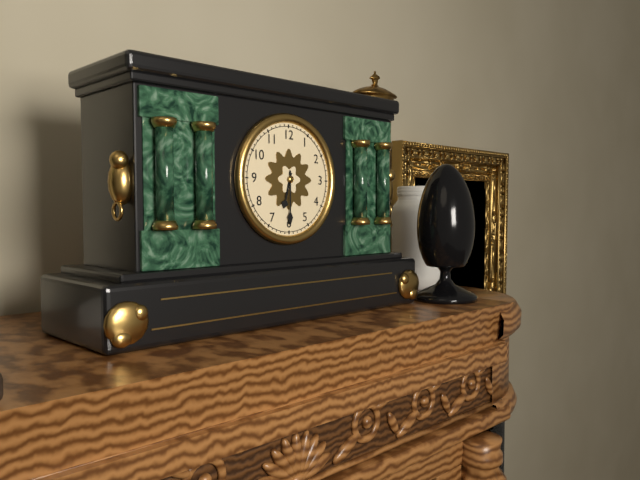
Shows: 6:30
